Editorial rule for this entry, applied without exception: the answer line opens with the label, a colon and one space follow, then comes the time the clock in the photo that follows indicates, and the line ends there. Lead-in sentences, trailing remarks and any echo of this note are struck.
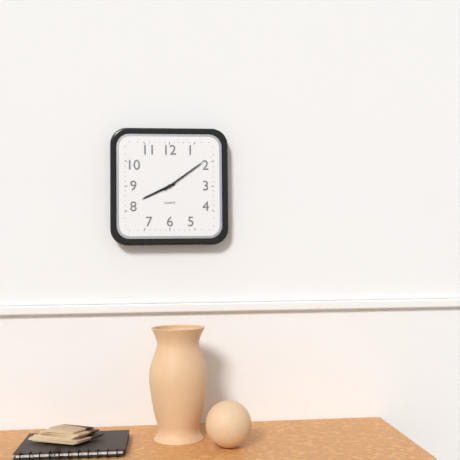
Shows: 8:09
